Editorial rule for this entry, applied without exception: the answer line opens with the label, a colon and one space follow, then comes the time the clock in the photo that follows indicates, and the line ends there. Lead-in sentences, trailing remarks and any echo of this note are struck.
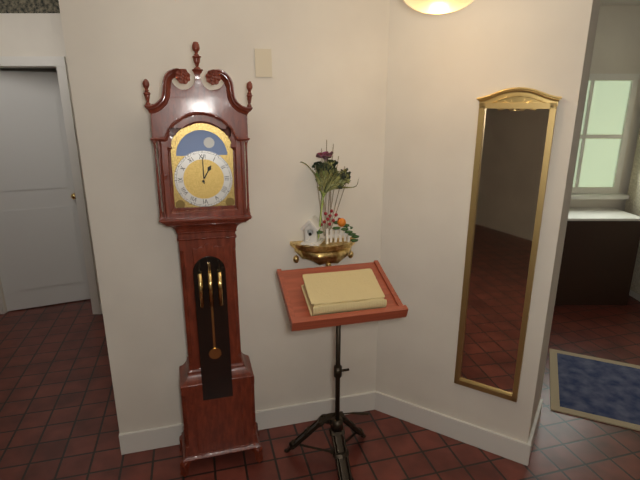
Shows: 1:00
